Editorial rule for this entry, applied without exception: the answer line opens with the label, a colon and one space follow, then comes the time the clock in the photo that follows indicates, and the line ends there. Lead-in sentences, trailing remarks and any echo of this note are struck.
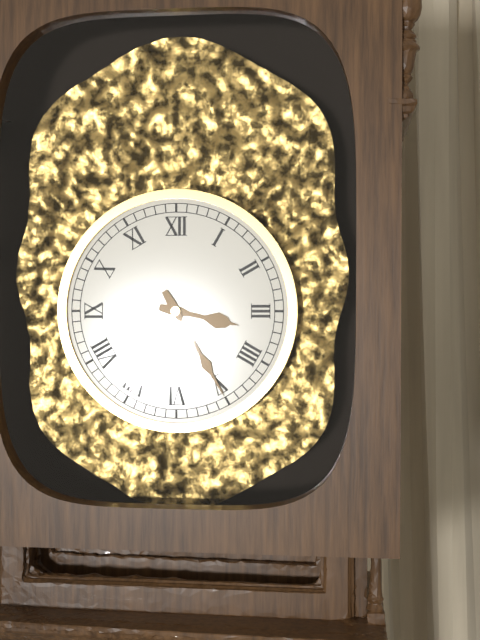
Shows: 3:25
